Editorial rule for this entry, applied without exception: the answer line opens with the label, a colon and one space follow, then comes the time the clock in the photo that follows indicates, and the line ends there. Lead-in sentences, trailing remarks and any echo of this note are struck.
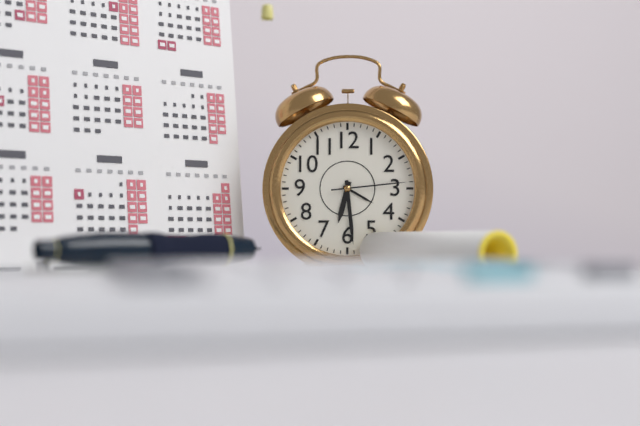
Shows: 6:29:14
